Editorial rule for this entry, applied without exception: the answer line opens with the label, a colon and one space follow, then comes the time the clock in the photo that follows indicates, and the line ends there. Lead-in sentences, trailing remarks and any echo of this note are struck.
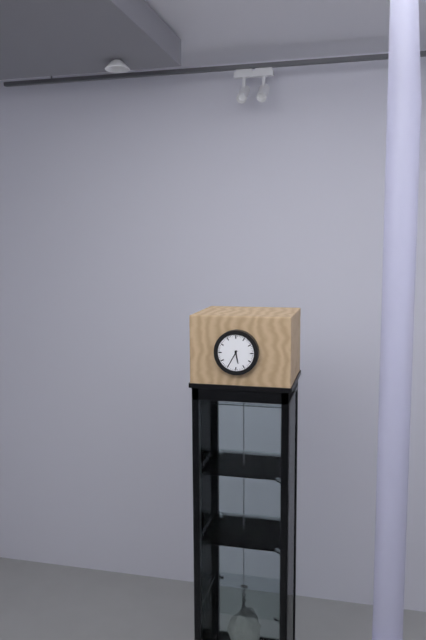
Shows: 5:35
